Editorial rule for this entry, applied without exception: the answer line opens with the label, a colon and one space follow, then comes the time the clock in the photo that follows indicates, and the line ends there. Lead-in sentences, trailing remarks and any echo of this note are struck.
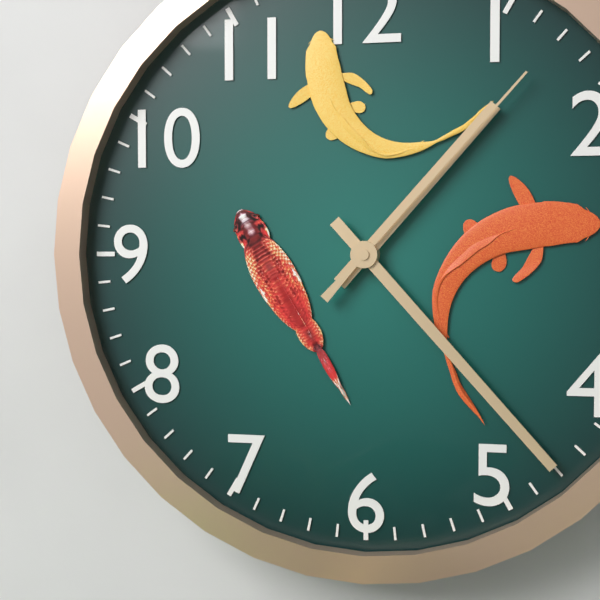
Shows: 1:23:07
